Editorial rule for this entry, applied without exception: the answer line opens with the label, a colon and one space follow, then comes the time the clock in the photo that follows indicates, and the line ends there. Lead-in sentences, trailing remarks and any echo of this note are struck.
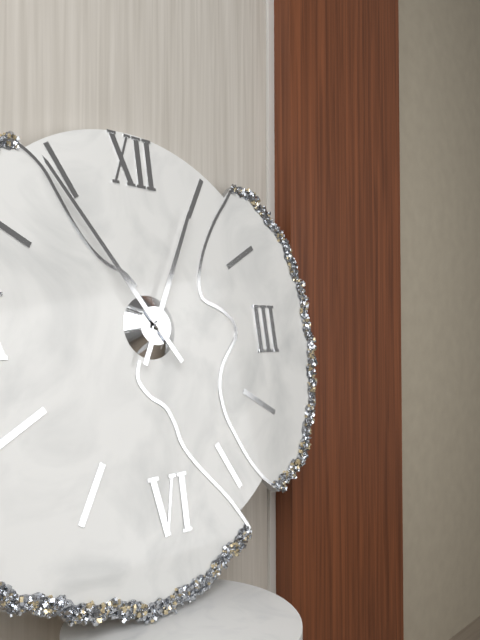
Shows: 12:54
